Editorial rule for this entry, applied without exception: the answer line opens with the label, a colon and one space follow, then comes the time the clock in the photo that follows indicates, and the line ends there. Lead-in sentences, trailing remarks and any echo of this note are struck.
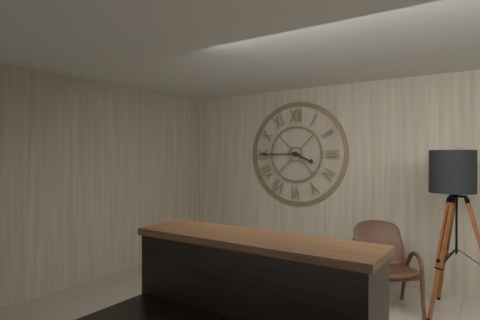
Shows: 3:45
